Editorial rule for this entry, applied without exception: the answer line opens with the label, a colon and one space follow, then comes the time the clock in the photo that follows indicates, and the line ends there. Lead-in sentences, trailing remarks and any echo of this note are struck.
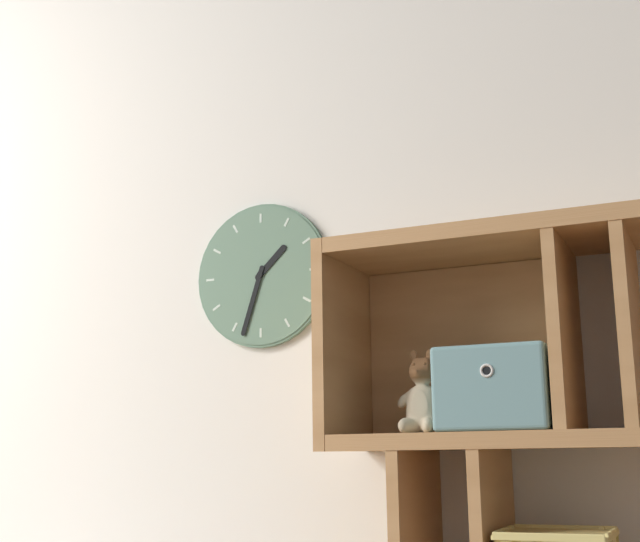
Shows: 1:33
